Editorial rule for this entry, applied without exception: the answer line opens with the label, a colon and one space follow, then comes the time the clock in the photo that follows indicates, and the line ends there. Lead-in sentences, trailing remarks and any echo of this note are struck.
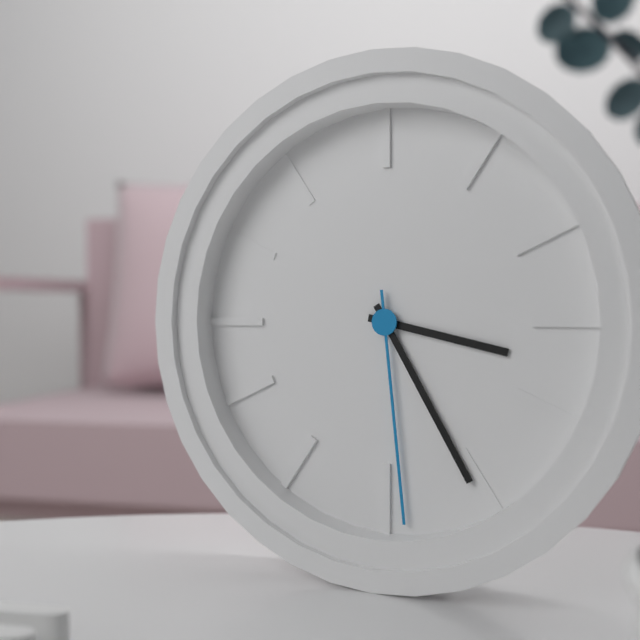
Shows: 3:25:29
